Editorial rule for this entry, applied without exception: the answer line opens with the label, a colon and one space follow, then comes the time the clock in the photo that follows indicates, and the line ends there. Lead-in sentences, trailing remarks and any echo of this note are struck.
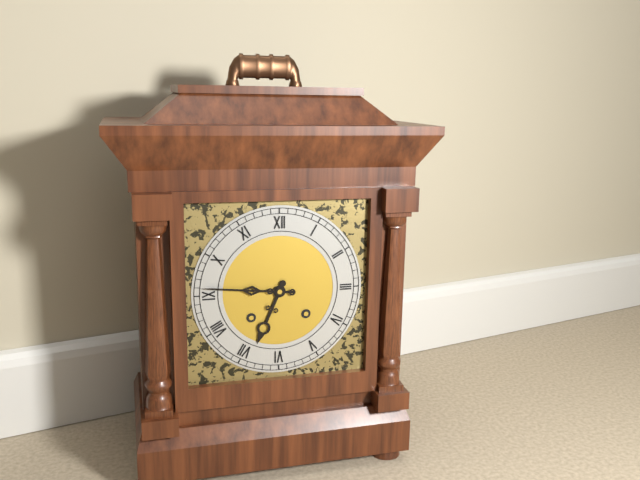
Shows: 6:46
